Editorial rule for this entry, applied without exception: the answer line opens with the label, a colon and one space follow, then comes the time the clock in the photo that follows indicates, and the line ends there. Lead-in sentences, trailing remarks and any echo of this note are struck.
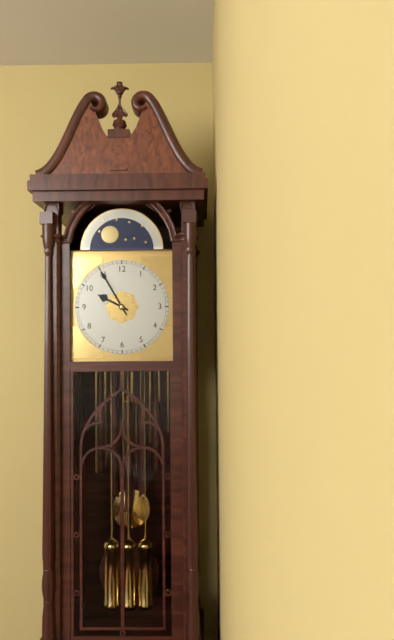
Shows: 9:55
